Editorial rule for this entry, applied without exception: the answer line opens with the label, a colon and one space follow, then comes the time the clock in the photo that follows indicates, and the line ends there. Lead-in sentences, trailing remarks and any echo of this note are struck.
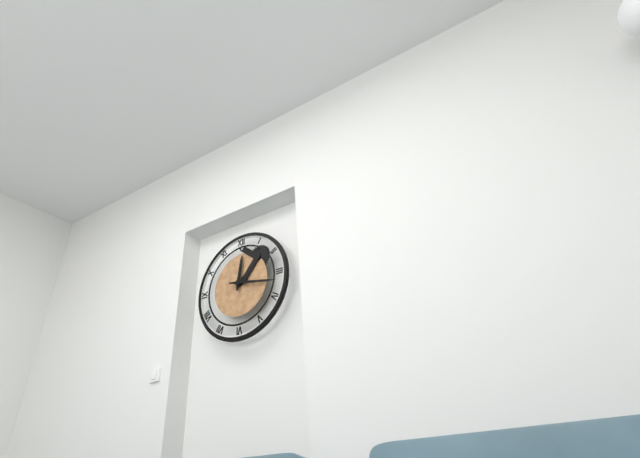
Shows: 12:17
